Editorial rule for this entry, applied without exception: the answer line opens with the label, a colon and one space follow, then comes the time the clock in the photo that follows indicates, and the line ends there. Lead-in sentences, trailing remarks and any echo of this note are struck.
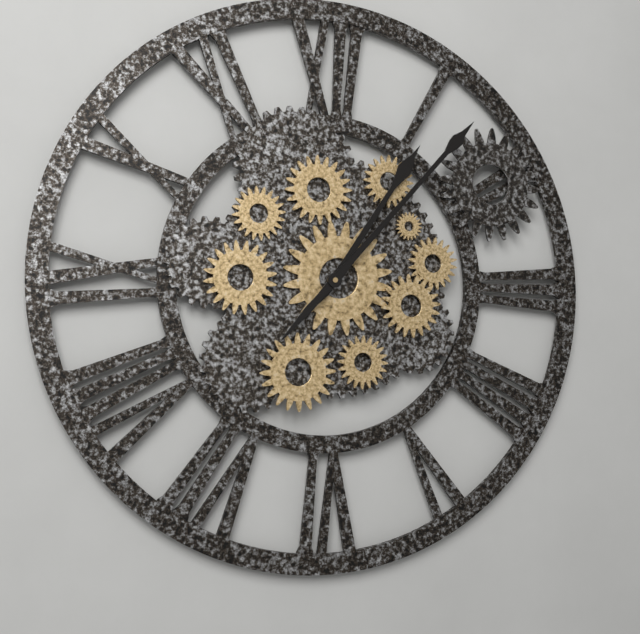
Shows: 1:07
